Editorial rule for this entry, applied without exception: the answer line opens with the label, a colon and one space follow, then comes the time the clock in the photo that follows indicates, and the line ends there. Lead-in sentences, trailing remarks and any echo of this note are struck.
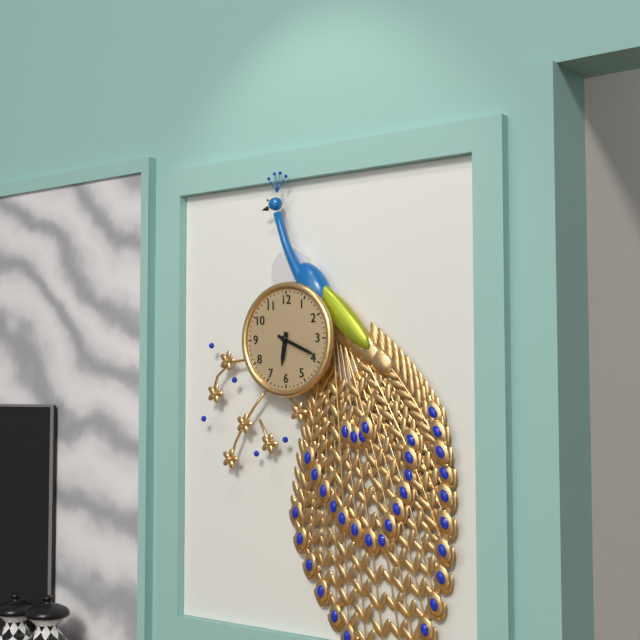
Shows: 6:19
